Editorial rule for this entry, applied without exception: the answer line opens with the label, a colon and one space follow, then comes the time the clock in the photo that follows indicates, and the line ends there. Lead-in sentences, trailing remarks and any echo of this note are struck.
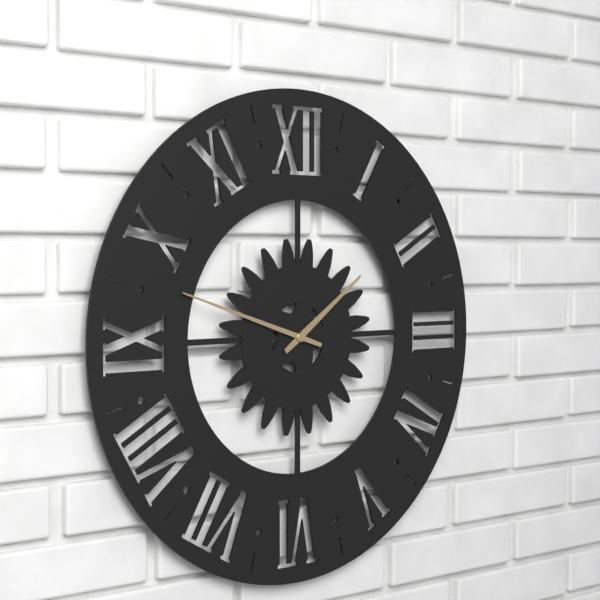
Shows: 1:48
